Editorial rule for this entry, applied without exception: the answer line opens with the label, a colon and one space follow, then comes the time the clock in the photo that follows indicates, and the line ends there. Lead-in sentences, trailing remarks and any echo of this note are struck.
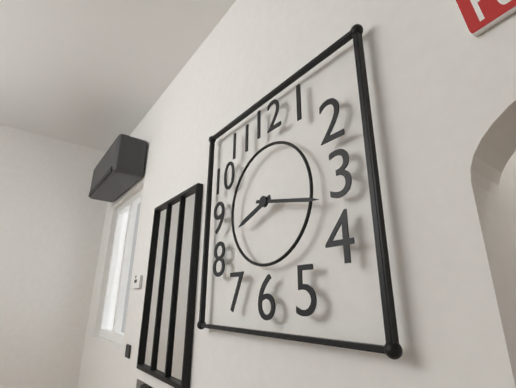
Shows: 8:17
